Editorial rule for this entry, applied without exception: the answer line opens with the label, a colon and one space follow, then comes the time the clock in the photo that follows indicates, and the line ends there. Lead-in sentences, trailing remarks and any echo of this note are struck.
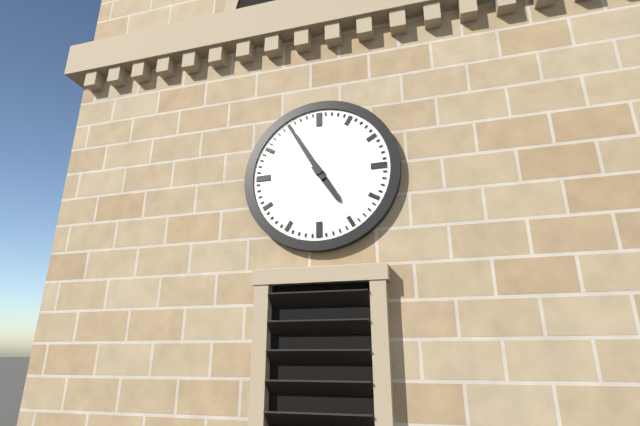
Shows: 4:55
